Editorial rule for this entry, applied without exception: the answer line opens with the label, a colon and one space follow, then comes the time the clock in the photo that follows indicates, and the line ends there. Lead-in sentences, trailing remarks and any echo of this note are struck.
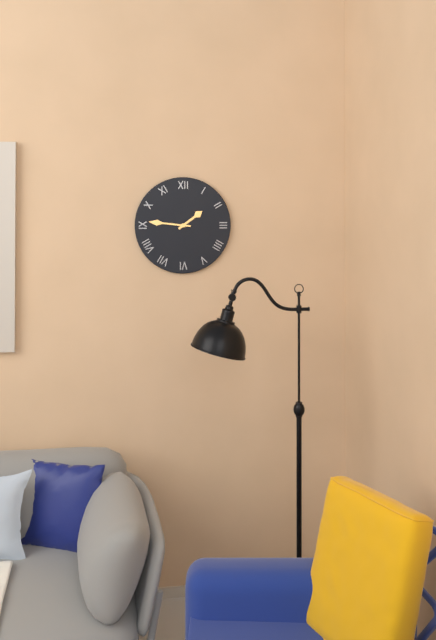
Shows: 1:46
